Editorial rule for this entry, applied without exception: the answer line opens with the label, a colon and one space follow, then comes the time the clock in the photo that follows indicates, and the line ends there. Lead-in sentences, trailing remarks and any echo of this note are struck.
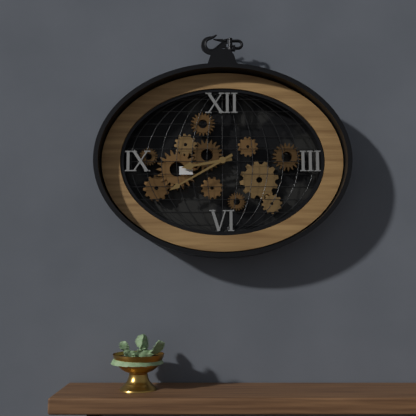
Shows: 8:40
